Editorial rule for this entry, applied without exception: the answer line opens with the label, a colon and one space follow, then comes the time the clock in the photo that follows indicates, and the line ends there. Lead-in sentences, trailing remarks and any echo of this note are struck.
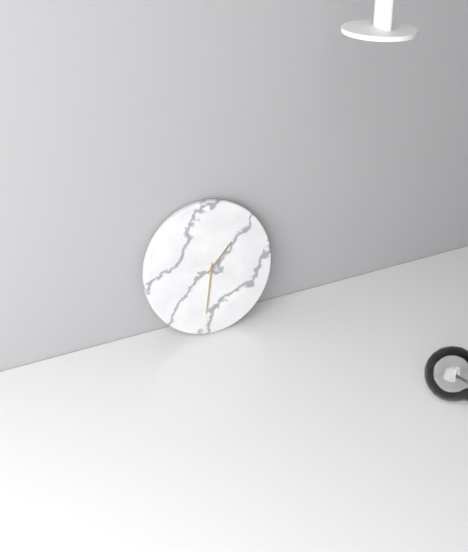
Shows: 1:32
